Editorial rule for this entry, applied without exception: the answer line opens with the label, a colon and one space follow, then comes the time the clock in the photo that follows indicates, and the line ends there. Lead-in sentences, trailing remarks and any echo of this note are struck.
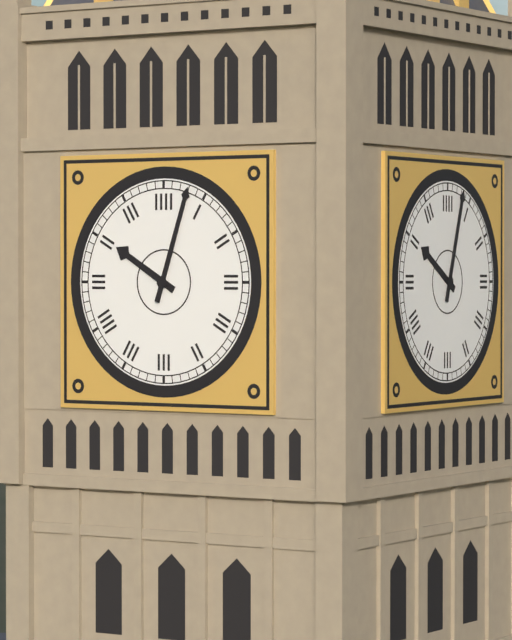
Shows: 10:03
